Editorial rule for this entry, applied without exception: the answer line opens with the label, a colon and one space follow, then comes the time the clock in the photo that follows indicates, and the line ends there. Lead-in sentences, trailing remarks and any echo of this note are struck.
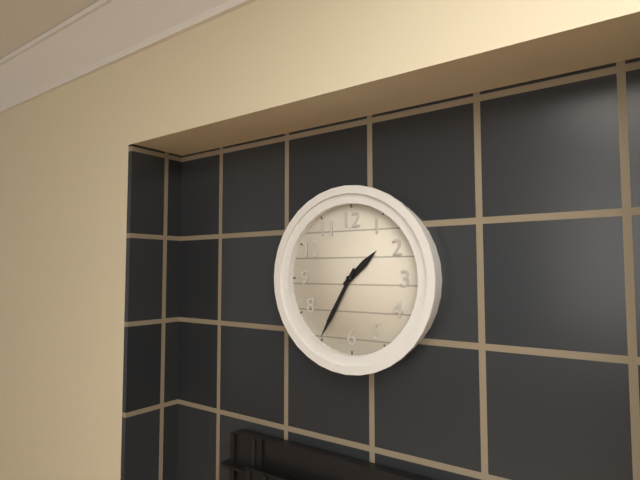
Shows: 1:35
